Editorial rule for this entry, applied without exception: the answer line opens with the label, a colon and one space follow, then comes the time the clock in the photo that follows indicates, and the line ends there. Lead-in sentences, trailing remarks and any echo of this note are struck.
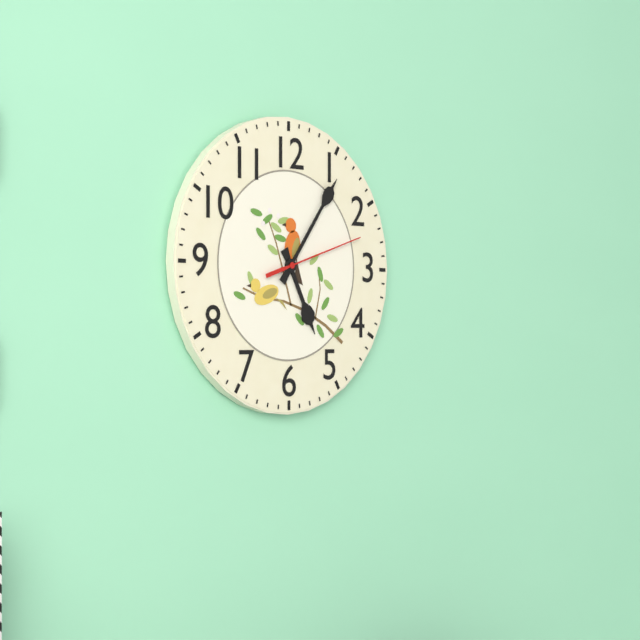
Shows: 5:06:12
